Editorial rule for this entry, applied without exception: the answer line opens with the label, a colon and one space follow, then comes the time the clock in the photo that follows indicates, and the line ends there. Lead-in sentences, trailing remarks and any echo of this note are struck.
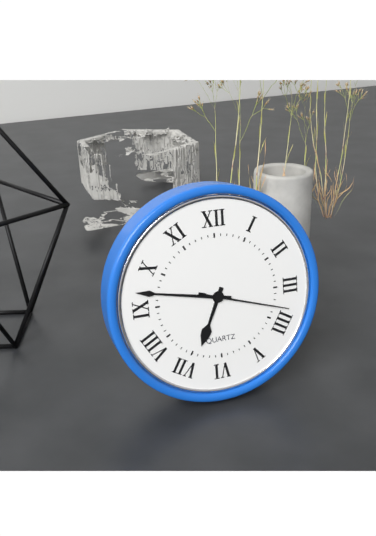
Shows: 6:47:18
